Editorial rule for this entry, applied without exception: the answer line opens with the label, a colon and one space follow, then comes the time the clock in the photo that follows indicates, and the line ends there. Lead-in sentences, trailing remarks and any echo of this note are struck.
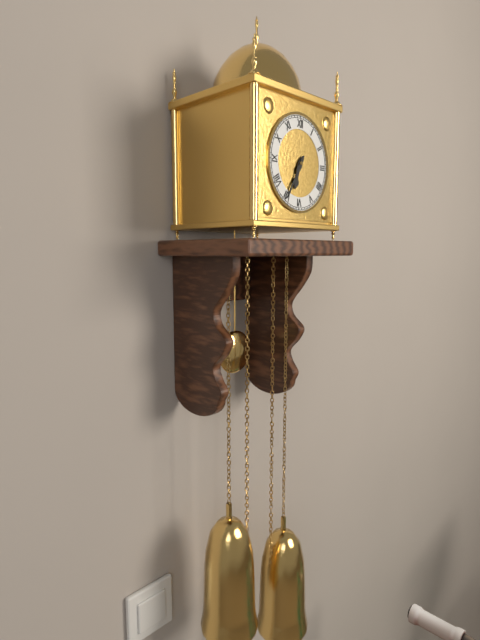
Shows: 6:35
